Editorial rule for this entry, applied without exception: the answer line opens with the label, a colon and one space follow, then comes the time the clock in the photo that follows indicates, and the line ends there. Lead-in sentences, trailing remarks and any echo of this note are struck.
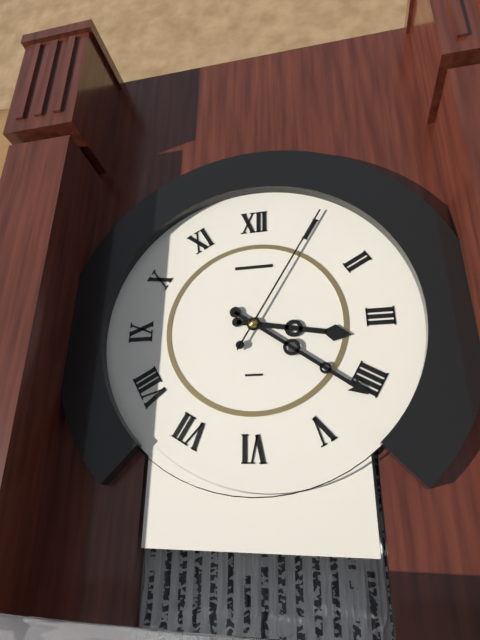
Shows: 3:21:05
